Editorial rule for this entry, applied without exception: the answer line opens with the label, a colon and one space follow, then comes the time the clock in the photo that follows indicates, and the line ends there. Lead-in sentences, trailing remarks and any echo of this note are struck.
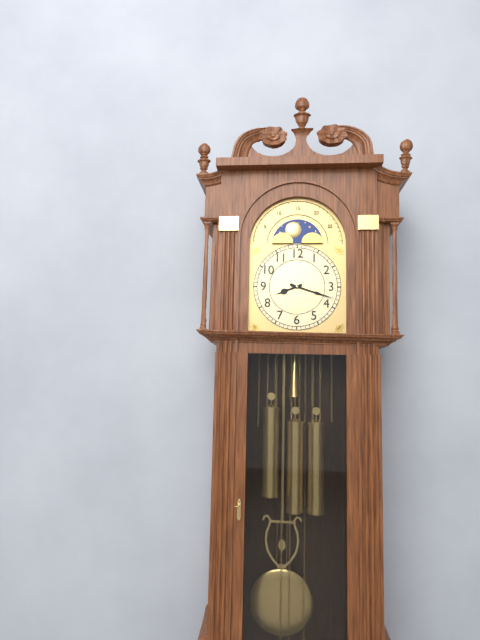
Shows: 8:18
